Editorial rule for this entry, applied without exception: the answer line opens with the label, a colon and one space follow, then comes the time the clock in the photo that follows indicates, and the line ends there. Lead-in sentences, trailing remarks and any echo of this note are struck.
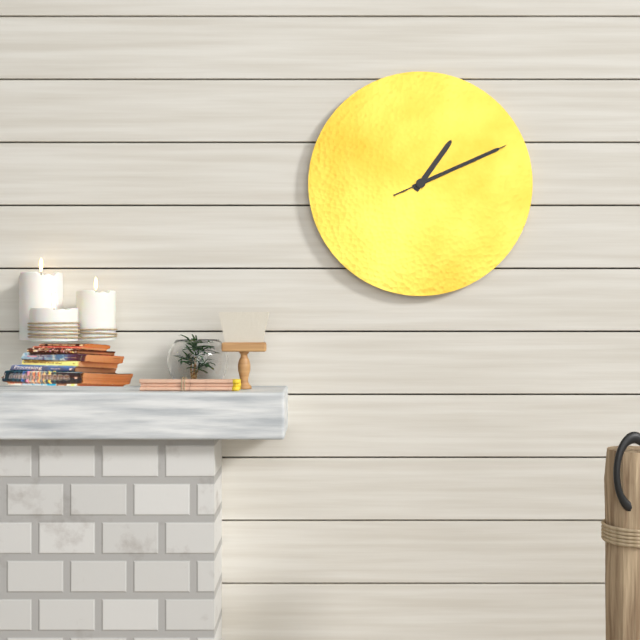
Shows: 1:11:11
